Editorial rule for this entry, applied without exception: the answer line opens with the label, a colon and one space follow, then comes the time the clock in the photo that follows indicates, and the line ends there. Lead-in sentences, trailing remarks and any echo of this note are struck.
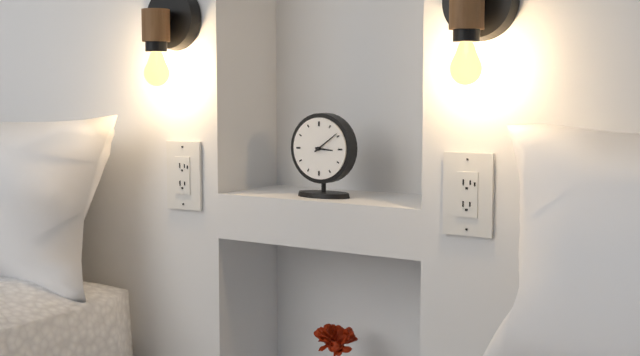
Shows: 3:09
